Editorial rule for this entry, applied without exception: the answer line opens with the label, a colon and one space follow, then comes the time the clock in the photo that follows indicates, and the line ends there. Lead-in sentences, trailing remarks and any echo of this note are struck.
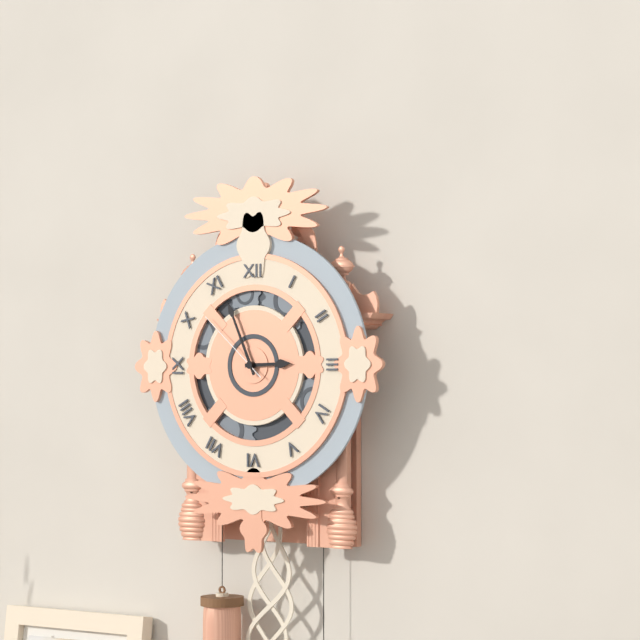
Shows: 2:56:52
